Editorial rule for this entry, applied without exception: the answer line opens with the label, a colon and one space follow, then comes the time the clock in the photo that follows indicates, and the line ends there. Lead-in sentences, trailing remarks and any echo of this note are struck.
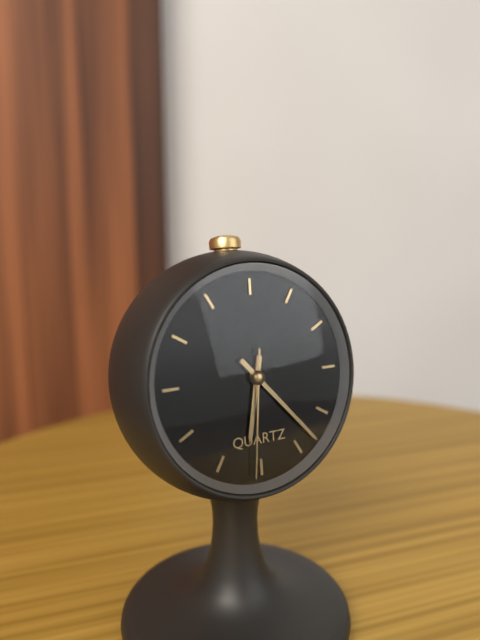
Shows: 6:23:31
